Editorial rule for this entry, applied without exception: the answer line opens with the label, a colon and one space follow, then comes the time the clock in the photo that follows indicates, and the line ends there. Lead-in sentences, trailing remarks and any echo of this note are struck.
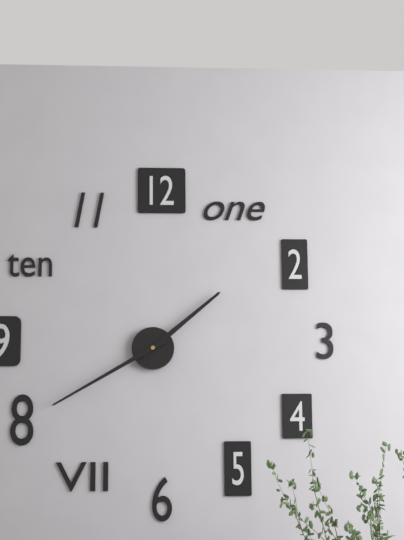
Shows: 1:40
